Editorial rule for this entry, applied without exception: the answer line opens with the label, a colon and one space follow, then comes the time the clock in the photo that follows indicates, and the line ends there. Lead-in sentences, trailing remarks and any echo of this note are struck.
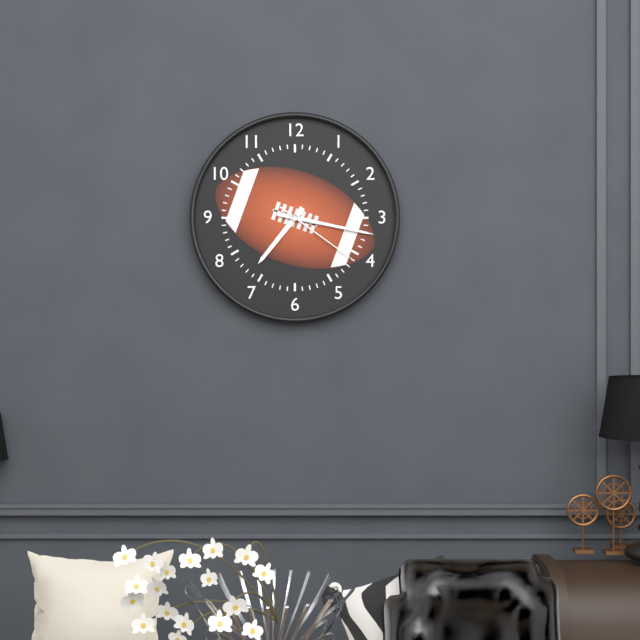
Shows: 7:17:21
